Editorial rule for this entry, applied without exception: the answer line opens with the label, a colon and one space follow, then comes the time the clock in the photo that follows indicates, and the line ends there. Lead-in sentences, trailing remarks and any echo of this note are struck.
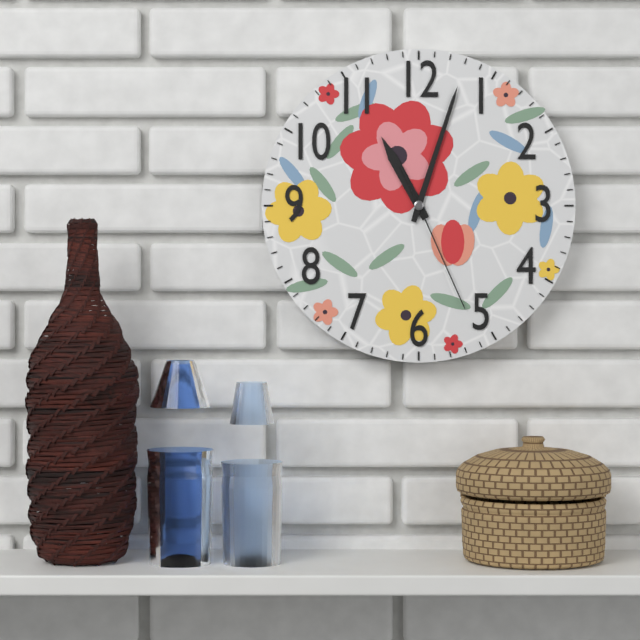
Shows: 11:03:26
